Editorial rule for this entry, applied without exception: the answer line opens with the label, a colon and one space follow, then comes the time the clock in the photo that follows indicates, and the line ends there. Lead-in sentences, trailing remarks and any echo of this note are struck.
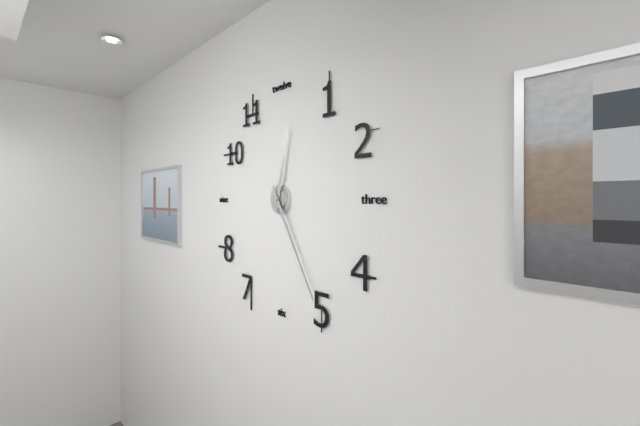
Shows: 12:25
